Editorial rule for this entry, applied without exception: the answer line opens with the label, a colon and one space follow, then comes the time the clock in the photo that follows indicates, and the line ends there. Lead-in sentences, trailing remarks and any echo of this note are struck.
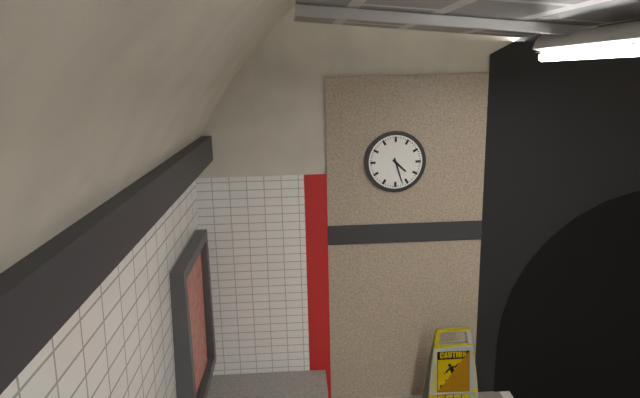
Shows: 4:27
